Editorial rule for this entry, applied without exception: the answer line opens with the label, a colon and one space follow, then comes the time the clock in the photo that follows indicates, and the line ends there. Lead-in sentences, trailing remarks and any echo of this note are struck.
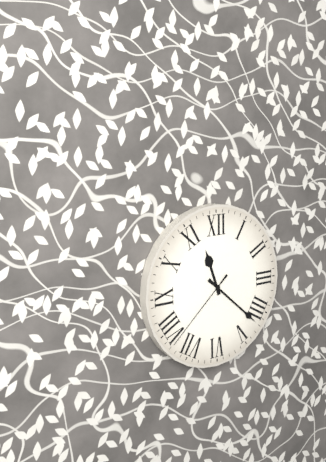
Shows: 11:22:38
